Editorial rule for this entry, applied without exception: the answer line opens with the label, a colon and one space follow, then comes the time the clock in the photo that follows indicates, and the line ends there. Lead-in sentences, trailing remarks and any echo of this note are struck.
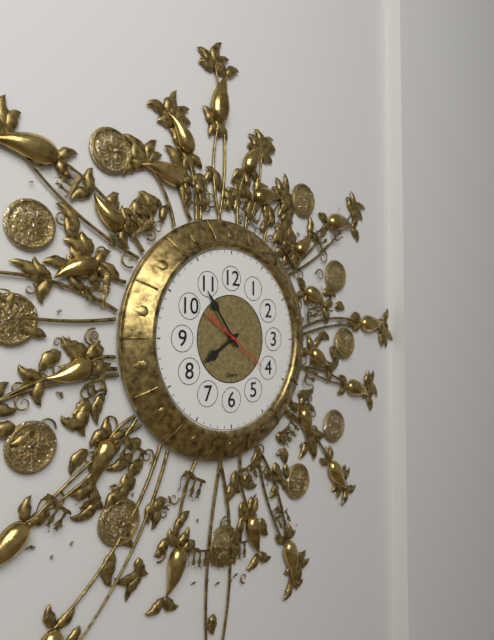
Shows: 7:54:21
